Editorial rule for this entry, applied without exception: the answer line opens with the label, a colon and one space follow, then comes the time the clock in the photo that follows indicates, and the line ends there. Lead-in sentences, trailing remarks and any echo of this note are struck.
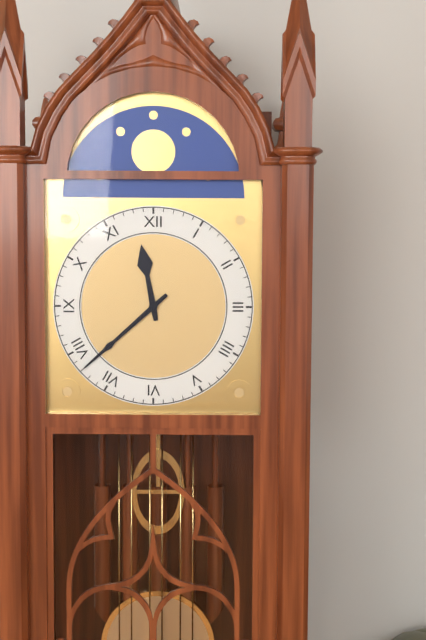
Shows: 11:38
